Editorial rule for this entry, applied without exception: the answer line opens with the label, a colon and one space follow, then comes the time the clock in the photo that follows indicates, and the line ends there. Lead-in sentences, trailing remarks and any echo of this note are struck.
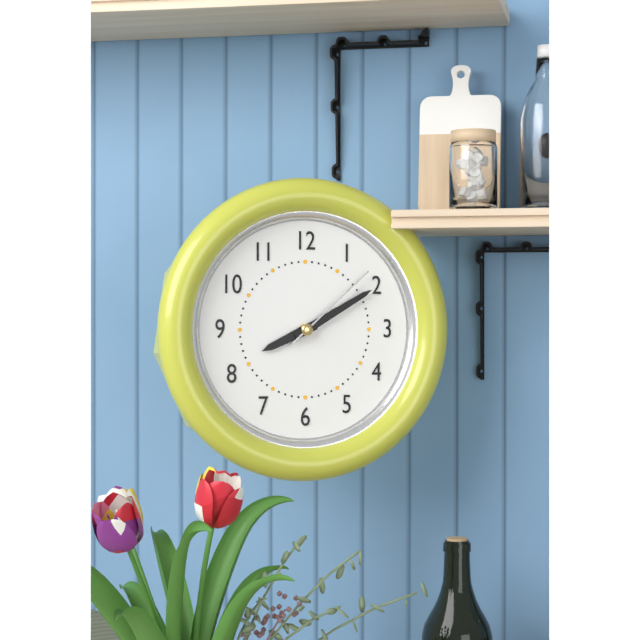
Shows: 8:10:08
